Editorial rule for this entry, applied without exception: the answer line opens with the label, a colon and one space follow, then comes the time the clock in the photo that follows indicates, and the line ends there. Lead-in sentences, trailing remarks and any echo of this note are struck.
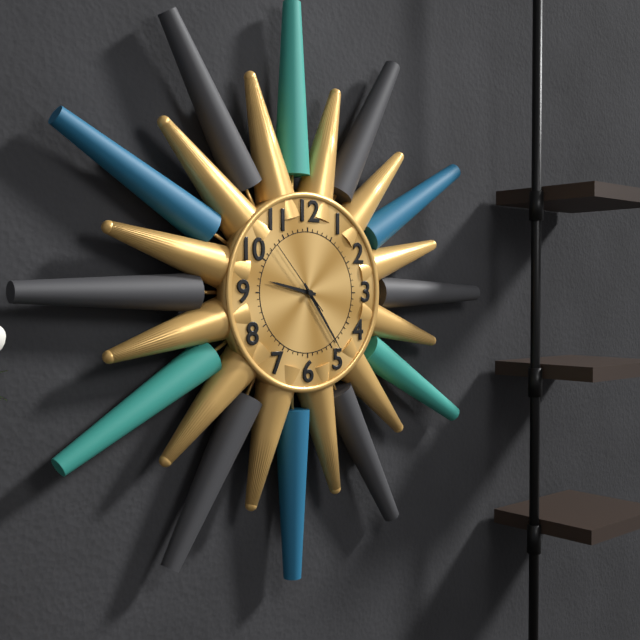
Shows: 9:24:53
